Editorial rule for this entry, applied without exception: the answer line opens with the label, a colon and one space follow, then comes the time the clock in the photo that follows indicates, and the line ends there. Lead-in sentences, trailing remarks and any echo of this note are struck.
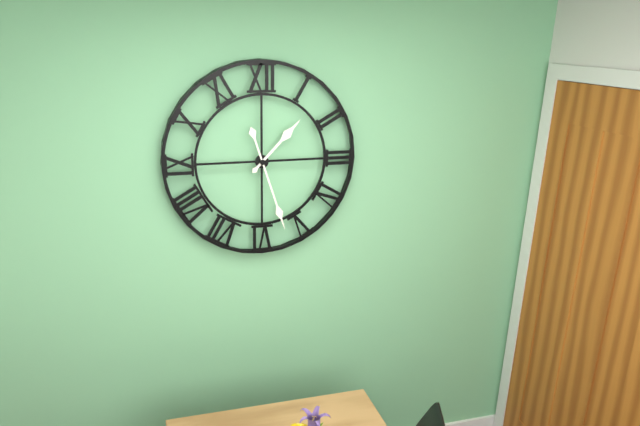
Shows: 1:27
